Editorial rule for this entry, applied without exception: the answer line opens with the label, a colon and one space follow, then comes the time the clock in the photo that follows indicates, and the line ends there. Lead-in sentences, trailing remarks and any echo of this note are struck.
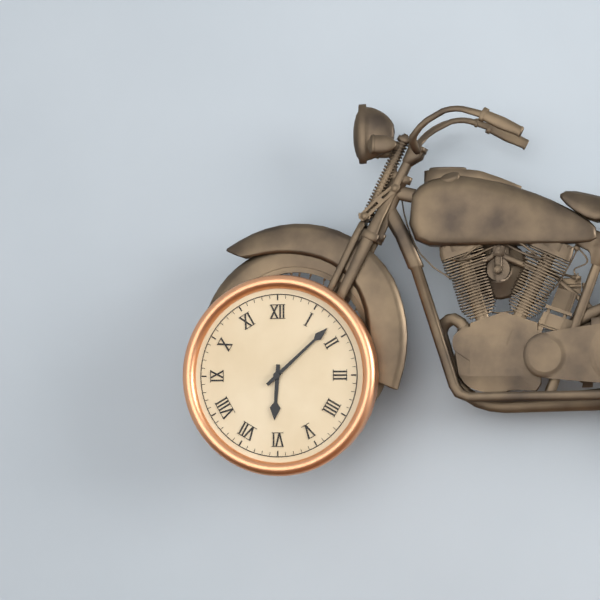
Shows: 6:08
